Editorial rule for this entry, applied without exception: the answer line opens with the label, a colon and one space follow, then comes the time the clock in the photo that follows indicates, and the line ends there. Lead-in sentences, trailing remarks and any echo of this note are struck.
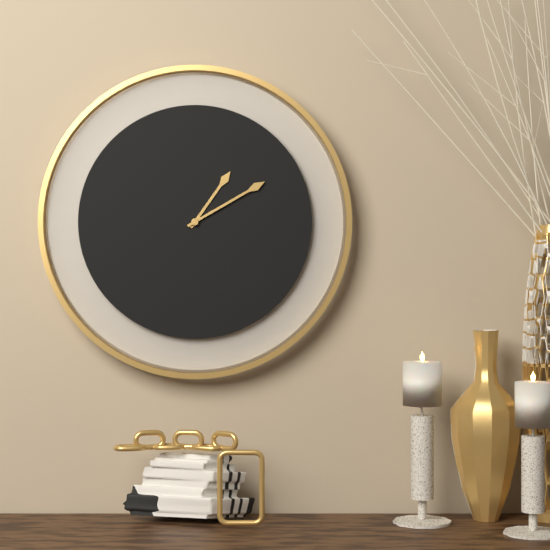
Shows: 1:10
